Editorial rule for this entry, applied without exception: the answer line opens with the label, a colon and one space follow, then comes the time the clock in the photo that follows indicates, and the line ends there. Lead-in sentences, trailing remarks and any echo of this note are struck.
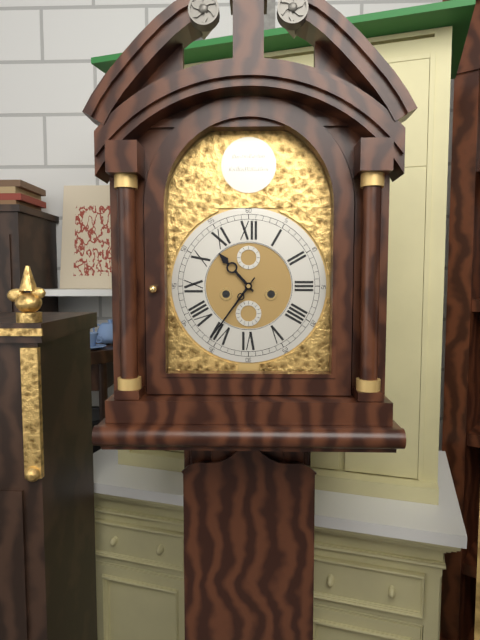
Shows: 10:36
